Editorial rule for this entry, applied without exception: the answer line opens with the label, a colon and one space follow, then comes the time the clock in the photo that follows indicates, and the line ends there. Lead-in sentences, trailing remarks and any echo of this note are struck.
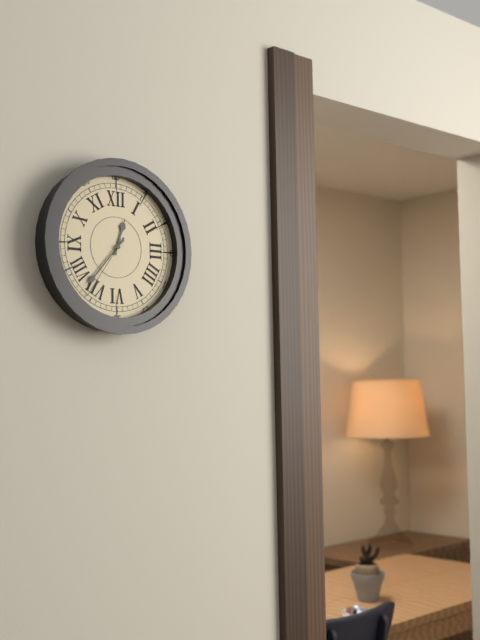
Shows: 12:37:36
